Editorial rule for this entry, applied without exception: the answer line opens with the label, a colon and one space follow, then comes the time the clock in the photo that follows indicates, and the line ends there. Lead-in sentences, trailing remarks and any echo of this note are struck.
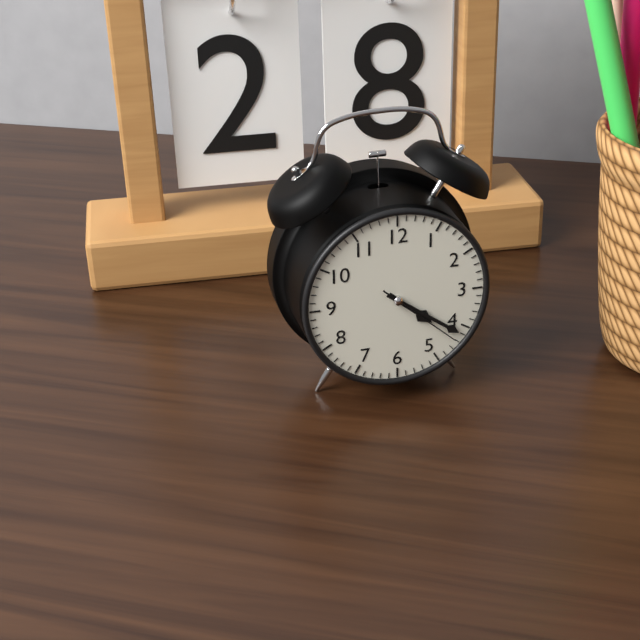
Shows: 4:21:22
